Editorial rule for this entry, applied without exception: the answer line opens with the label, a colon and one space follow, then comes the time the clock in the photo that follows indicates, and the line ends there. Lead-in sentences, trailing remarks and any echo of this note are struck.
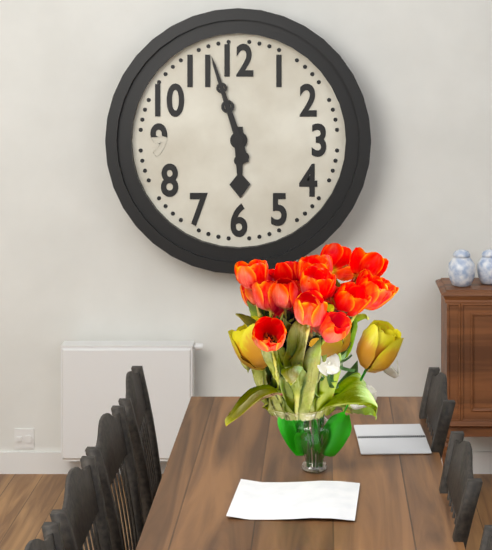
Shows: 5:57
